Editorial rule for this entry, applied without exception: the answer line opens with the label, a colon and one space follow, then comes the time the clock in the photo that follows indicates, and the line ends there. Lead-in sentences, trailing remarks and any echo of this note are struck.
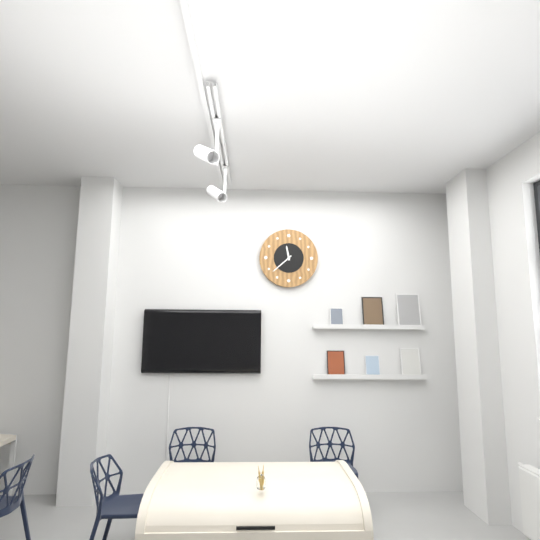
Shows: 11:38
